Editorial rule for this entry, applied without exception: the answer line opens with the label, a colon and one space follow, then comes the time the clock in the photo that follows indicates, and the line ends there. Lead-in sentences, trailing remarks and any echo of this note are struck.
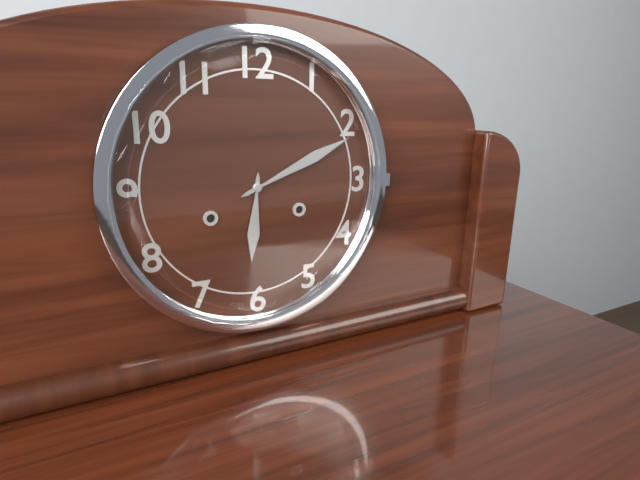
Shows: 6:11
